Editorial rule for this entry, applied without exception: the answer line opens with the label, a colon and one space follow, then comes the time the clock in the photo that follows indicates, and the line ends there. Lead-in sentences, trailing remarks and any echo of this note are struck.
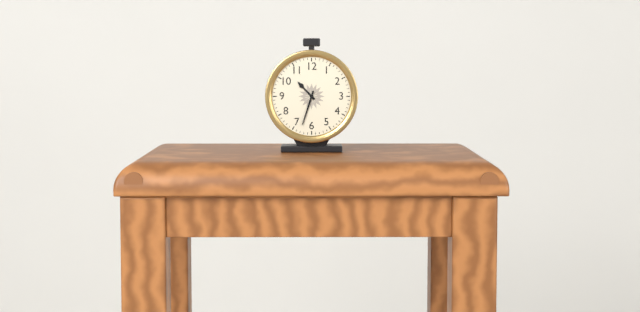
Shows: 10:33
